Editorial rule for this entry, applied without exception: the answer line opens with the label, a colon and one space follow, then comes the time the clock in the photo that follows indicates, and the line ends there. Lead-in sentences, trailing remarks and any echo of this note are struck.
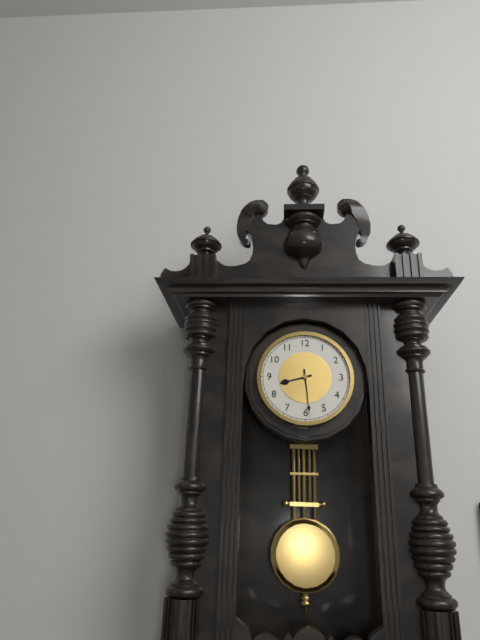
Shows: 8:29
